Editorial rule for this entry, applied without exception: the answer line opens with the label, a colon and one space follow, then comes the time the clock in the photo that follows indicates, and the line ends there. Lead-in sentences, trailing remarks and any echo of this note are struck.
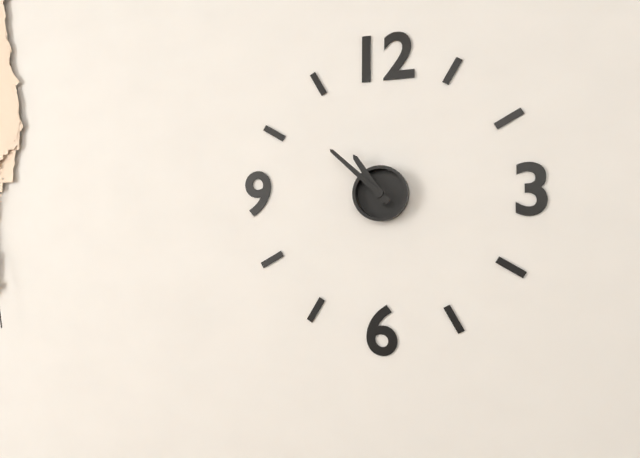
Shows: 10:52
